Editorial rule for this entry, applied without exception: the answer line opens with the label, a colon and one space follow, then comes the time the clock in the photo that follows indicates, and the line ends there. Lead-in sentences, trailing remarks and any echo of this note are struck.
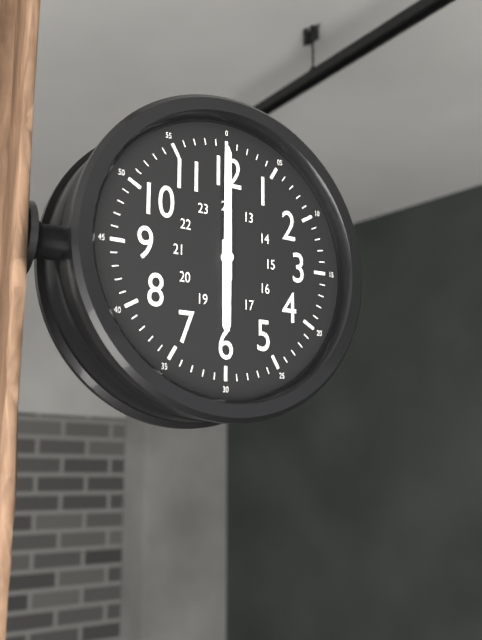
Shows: 6:00
